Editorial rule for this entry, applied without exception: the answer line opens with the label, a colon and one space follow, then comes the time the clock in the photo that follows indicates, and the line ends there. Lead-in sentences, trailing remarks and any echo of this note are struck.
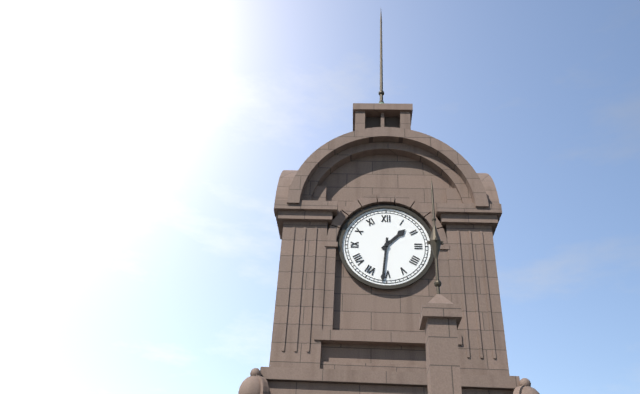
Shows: 1:31
